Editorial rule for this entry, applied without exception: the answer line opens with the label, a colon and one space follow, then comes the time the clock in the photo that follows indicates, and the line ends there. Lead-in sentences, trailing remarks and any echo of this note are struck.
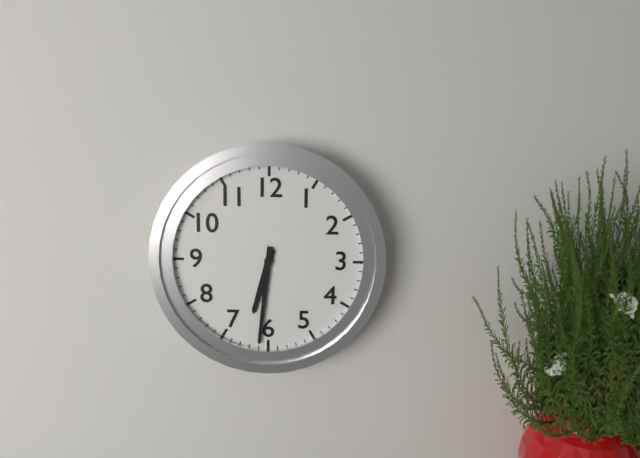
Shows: 6:31
